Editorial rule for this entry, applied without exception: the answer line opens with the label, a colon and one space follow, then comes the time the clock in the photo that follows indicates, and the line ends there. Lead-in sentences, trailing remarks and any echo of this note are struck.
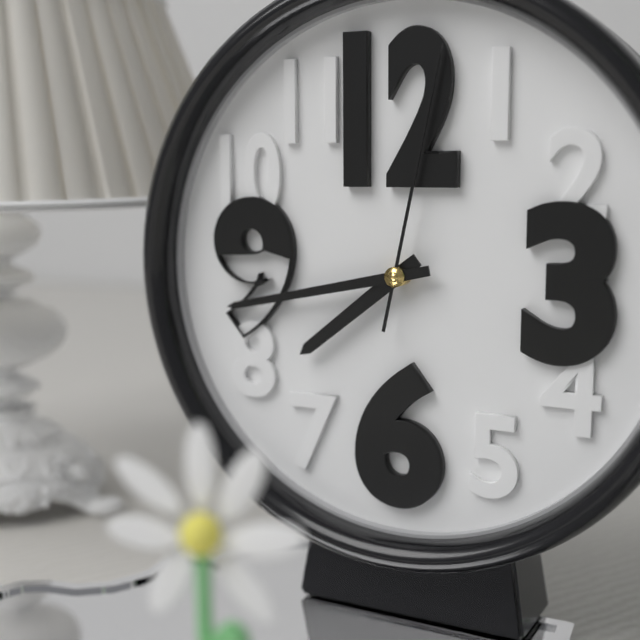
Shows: 7:43:02
